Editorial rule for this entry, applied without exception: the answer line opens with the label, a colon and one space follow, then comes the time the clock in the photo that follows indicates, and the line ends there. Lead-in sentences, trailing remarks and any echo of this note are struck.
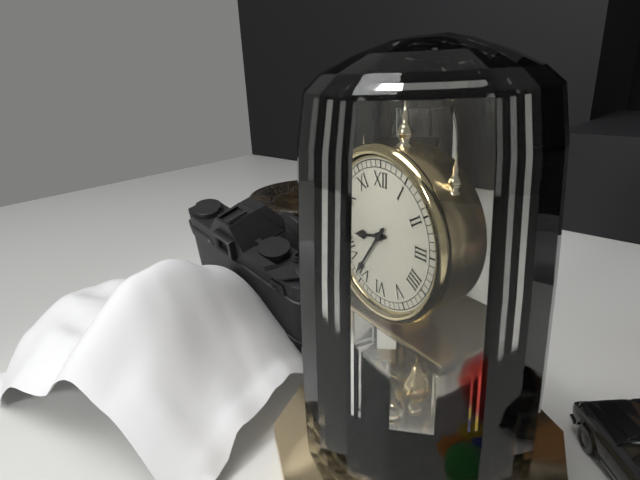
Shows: 8:36
